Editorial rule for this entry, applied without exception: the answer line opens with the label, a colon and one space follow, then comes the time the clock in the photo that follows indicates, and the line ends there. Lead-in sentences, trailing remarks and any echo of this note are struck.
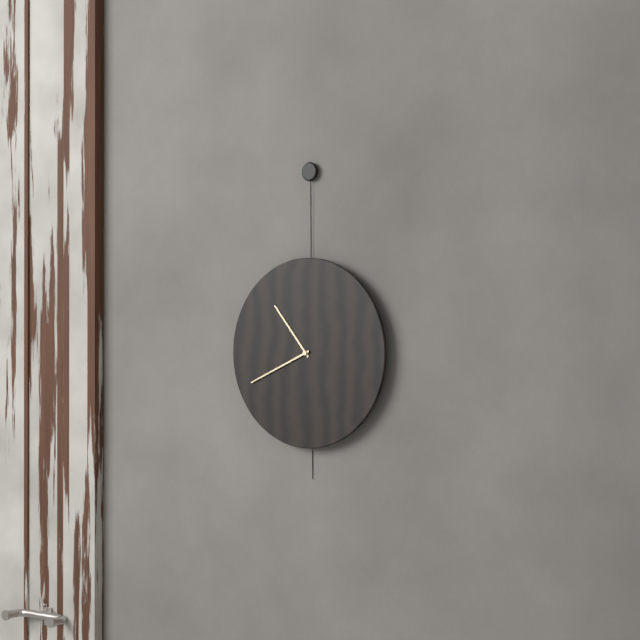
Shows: 10:41
